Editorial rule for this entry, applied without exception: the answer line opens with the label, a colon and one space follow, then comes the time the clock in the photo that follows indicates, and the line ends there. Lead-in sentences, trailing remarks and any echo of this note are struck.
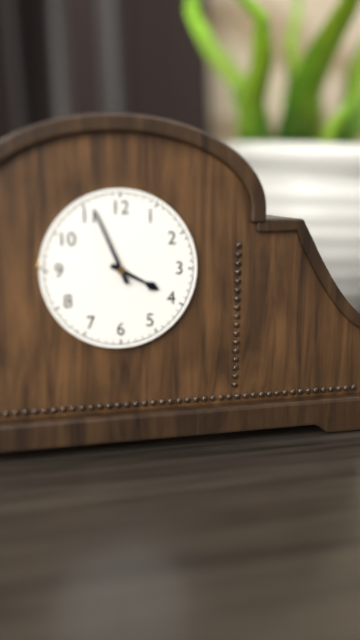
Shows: 3:56
